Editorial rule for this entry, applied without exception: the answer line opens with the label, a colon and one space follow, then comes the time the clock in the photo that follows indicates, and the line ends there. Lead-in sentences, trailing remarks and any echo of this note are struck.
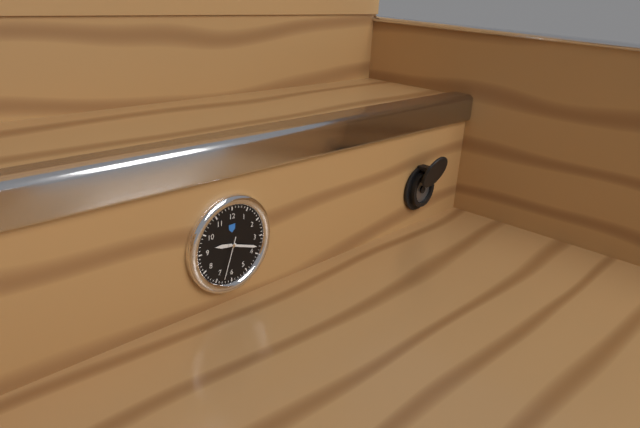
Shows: 9:18
